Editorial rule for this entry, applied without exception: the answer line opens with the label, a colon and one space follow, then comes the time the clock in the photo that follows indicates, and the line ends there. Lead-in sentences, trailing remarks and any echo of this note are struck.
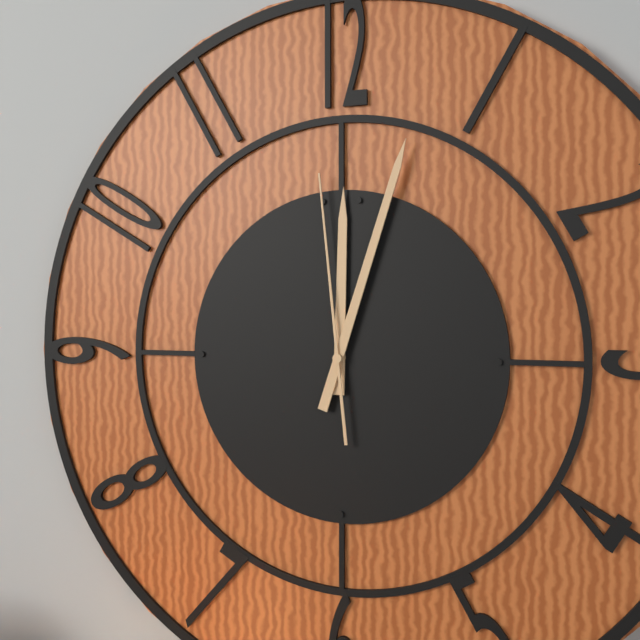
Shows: 12:03:59
